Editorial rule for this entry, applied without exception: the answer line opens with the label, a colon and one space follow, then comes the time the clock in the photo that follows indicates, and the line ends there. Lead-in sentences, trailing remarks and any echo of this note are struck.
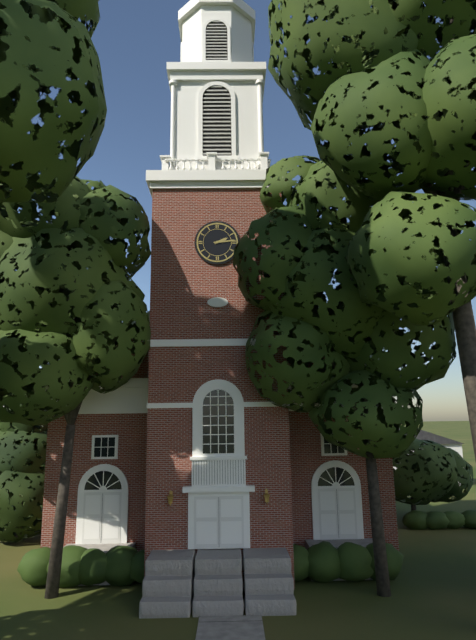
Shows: 2:14
